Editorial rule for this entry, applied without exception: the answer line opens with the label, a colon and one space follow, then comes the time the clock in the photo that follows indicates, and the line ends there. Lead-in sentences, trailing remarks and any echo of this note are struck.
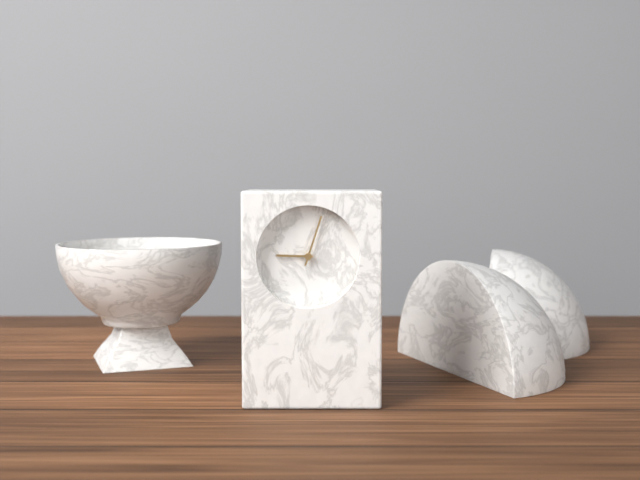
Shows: 9:03
